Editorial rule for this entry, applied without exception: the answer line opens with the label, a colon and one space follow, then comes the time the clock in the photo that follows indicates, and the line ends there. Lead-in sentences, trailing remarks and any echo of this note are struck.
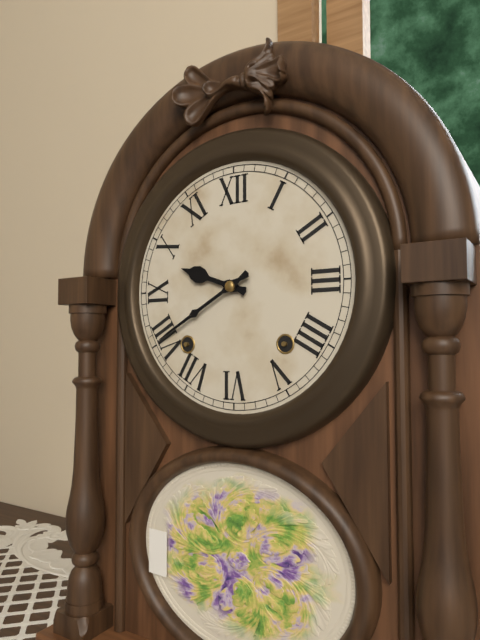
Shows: 9:40
